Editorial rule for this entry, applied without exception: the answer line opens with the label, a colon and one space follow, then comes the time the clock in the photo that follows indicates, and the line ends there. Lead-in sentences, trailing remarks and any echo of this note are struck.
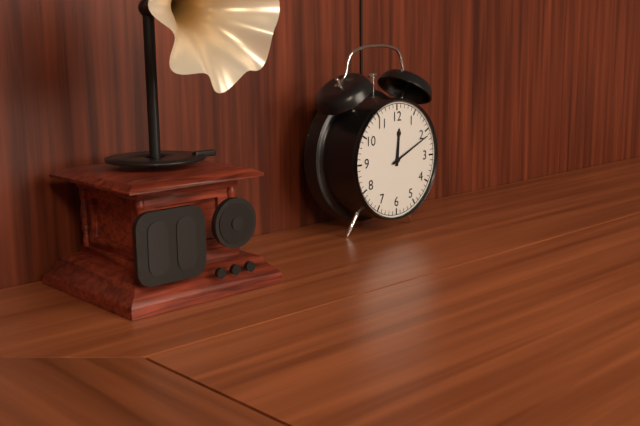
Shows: 12:11
